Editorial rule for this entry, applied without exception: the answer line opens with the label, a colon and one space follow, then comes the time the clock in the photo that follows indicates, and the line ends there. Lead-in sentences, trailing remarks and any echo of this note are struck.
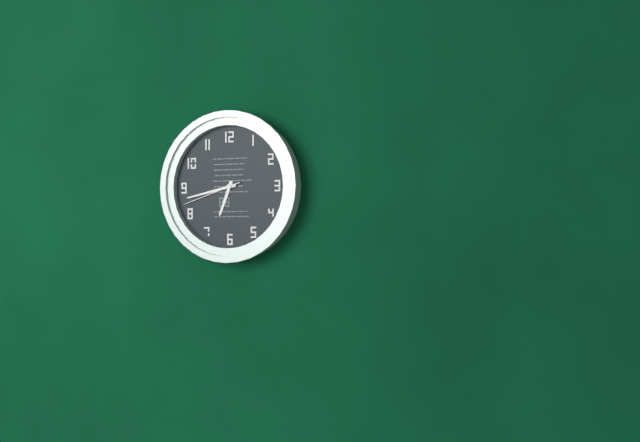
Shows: 6:43:42
